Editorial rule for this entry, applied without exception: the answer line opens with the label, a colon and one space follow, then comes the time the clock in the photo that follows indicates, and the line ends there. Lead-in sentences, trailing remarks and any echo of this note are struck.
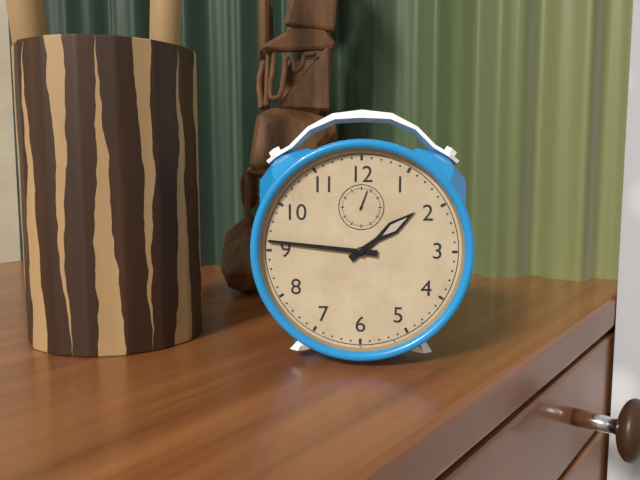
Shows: 1:46
